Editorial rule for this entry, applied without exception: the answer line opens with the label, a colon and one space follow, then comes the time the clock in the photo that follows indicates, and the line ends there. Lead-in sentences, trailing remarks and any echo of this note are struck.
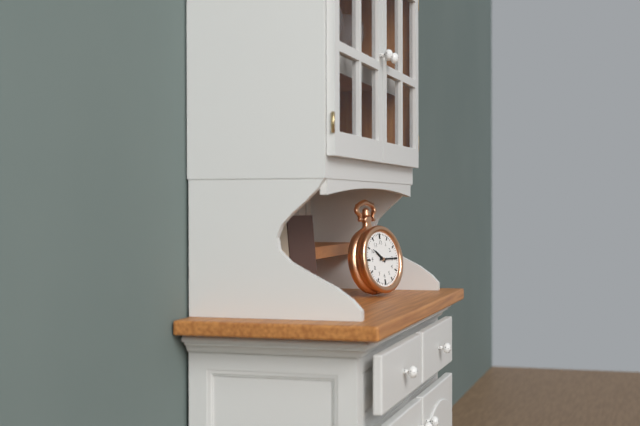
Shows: 10:15
